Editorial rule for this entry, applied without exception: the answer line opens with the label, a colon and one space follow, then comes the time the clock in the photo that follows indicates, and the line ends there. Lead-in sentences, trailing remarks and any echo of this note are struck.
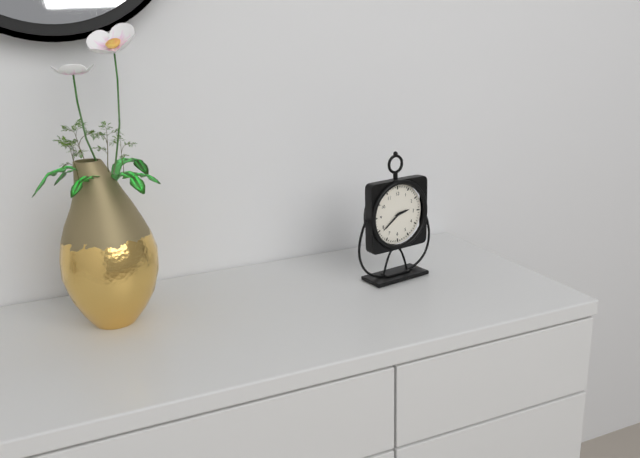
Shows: 2:39
